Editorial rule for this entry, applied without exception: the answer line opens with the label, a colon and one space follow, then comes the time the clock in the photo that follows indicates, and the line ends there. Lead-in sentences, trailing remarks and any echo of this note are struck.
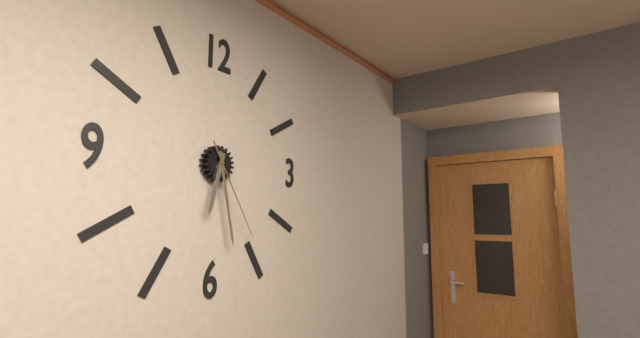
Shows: 6:28:25
